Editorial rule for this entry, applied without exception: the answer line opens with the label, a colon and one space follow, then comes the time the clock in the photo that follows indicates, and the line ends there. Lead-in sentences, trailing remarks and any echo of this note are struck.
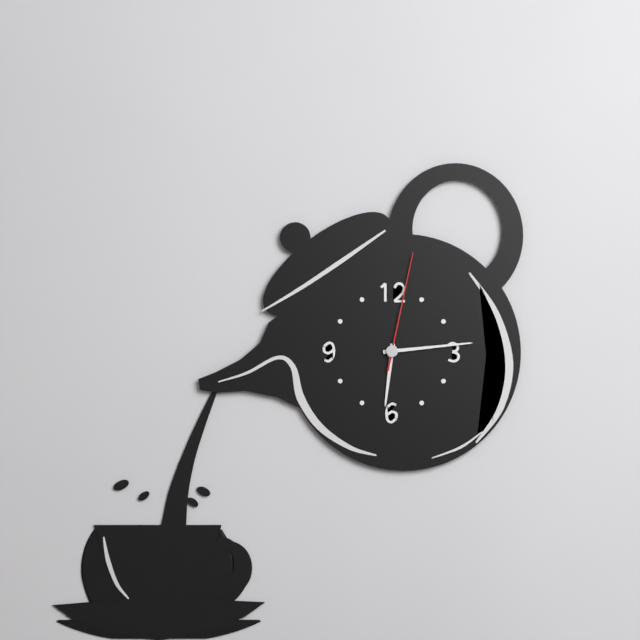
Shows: 6:14:02
